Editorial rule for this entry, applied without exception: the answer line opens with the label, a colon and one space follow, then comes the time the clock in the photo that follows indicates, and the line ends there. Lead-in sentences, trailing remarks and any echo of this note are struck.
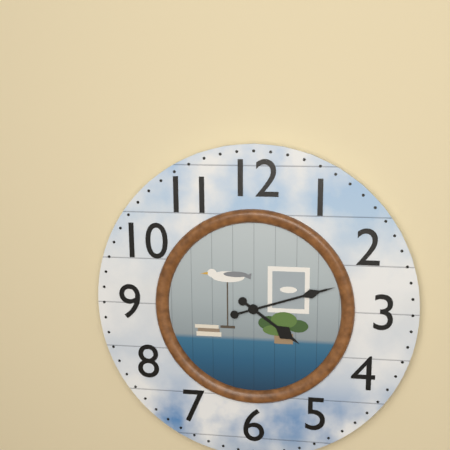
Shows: 4:12
